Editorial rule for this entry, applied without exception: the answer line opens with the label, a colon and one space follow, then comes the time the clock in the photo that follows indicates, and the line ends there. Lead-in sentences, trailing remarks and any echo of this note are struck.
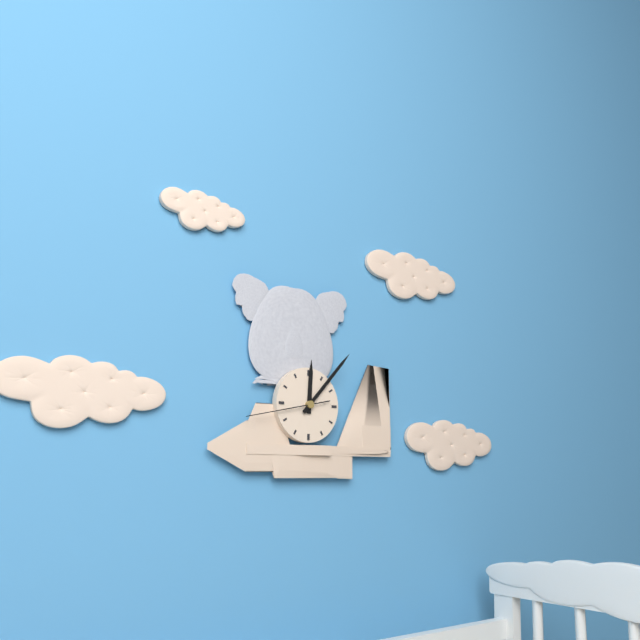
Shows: 12:07:43
